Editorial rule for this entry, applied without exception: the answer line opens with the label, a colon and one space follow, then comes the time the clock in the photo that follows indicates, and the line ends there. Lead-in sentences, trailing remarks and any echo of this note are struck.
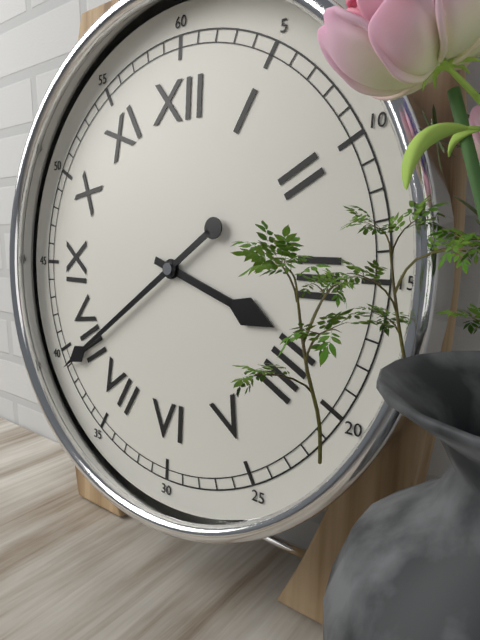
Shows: 3:39
